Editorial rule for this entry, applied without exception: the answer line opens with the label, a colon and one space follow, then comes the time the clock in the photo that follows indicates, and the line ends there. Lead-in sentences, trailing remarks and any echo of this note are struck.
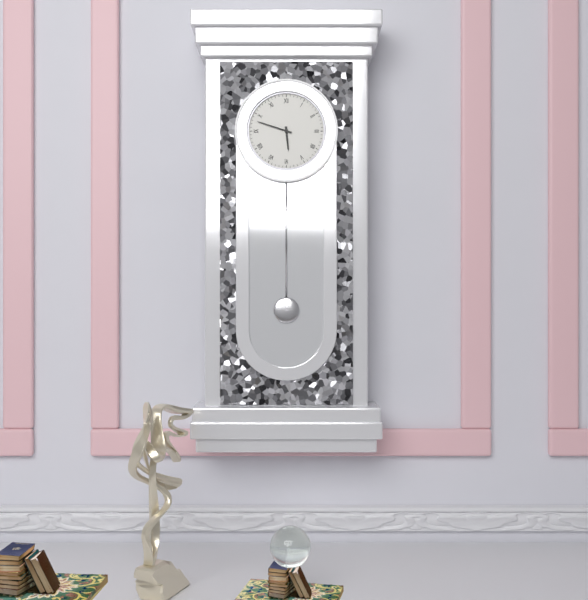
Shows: 5:48
